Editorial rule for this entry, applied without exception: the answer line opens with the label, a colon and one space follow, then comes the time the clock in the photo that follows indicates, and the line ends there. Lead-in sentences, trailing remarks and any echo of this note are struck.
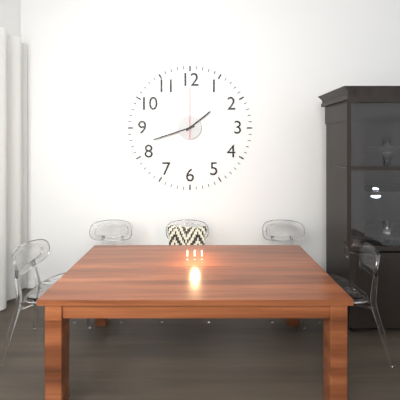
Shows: 1:42:00
